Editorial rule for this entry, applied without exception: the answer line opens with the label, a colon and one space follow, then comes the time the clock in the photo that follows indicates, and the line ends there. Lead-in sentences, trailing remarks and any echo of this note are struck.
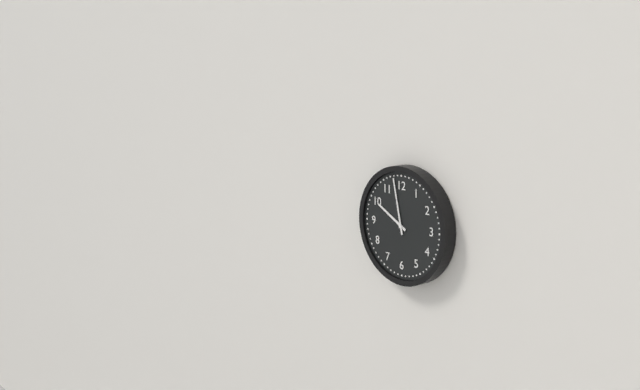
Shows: 9:58
